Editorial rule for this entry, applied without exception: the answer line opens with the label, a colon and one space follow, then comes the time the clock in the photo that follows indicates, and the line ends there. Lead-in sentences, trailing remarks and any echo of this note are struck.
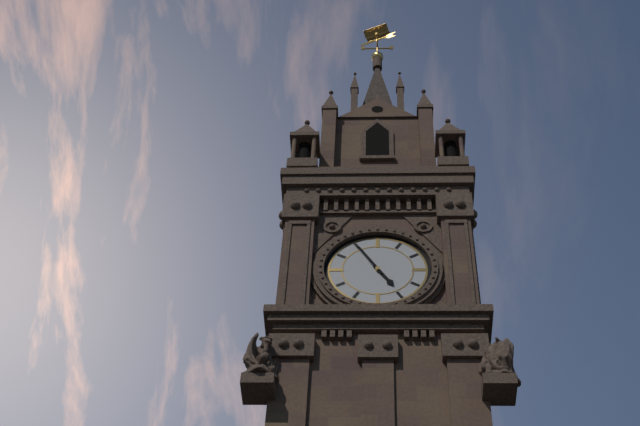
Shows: 4:55
